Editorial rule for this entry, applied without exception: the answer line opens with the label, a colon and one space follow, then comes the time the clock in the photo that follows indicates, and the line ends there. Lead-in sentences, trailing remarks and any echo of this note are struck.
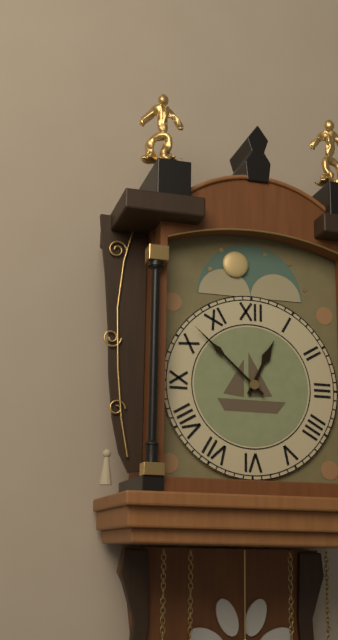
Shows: 12:52
